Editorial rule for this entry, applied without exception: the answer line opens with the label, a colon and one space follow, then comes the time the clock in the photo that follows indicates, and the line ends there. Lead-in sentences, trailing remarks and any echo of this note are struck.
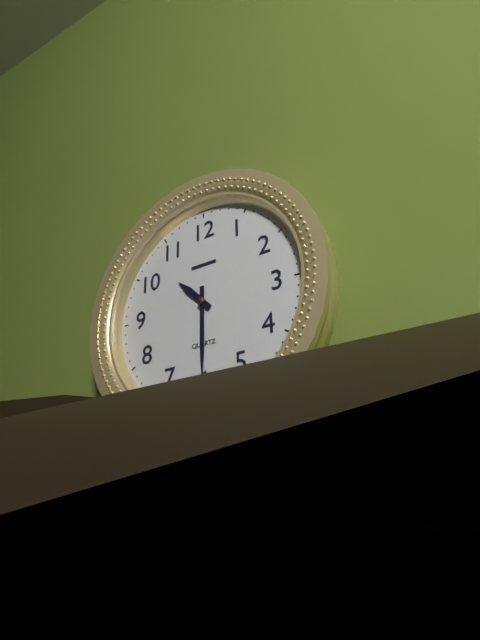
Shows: 10:30
